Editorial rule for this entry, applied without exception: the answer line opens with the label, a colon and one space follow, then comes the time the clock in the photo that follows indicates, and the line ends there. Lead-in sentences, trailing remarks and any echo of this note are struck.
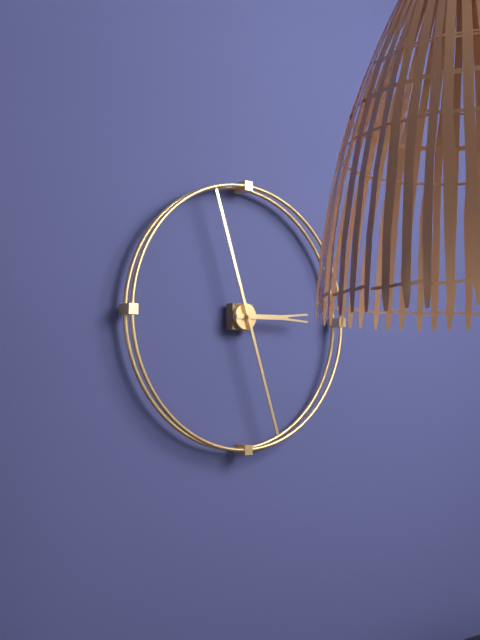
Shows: 2:57
